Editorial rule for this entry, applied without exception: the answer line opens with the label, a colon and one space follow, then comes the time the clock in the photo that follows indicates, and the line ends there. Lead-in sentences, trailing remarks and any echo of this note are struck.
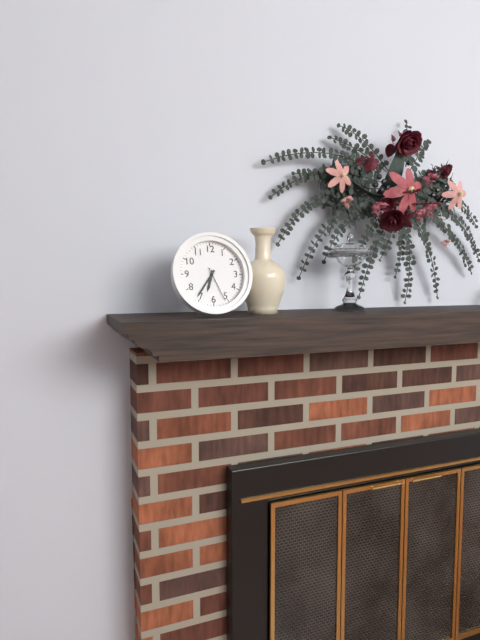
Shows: 6:36
